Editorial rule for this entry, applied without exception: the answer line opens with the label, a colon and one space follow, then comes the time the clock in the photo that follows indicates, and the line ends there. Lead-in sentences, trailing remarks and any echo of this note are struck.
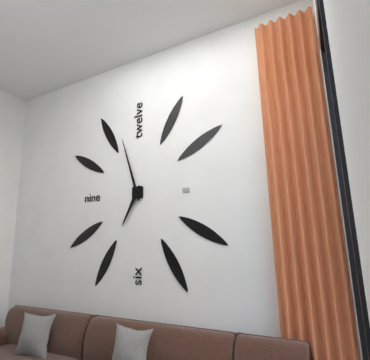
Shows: 6:57
